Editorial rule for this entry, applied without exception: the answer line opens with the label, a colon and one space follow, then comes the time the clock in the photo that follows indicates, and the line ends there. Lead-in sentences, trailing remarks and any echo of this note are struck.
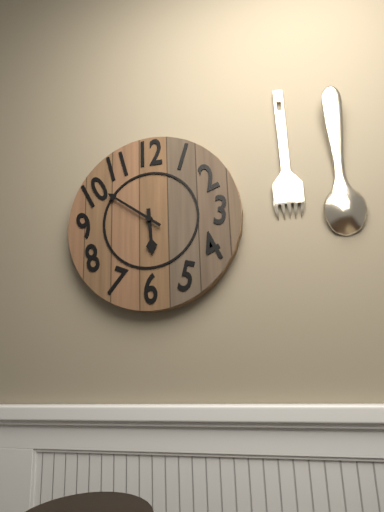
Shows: 5:51
